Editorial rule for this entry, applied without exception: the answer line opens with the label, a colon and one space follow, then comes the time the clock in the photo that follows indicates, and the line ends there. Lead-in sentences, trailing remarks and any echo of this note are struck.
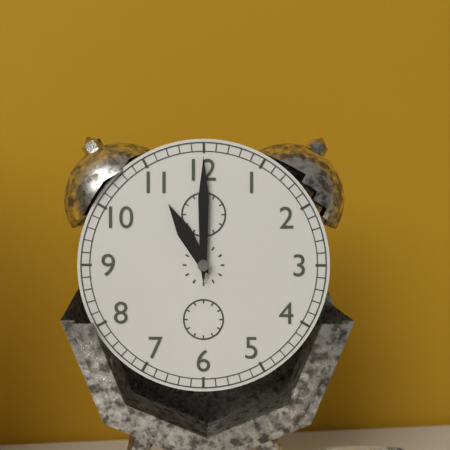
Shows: 11:00
